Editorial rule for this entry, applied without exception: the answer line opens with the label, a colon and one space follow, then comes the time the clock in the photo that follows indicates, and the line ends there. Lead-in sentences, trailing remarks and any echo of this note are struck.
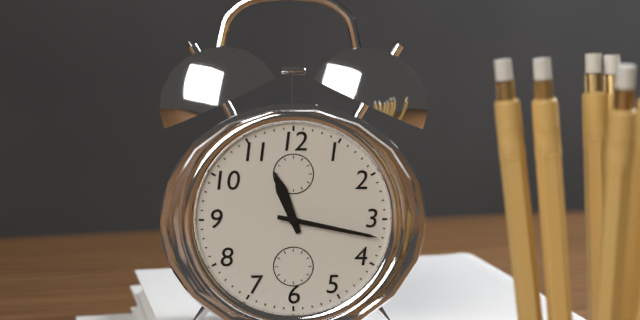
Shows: 11:17
